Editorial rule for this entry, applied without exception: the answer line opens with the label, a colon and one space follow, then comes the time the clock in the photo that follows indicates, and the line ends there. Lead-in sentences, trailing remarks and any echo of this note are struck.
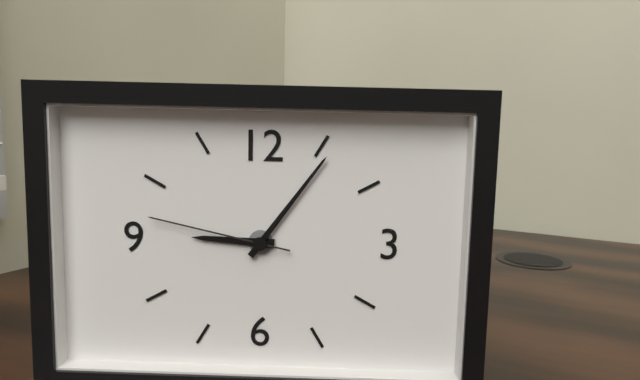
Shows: 9:06:47
